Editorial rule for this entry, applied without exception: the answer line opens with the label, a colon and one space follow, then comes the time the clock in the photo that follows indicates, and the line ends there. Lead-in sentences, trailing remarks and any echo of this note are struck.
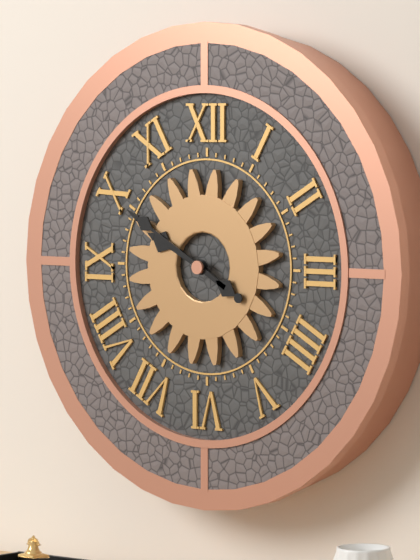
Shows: 9:50
